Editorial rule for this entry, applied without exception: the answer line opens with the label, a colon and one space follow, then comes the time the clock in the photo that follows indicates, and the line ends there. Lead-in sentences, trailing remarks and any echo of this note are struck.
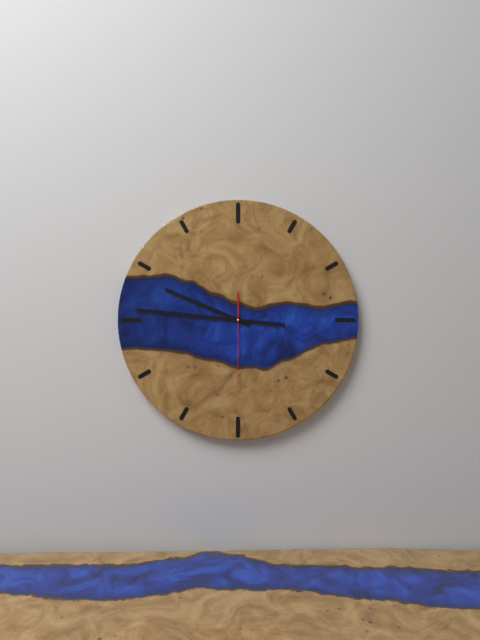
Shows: 9:46:30
